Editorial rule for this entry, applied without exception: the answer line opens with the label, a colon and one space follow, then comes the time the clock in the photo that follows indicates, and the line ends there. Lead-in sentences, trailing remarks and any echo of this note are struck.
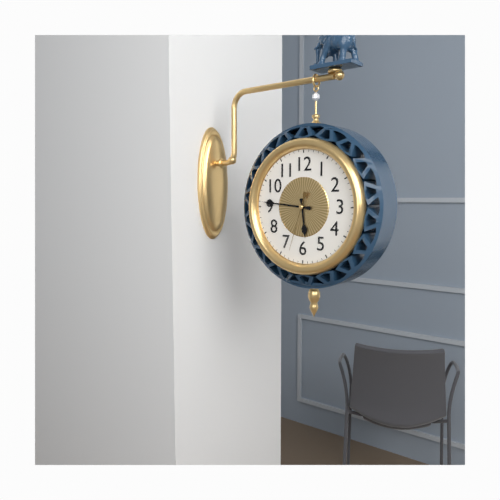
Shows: 5:46:33
